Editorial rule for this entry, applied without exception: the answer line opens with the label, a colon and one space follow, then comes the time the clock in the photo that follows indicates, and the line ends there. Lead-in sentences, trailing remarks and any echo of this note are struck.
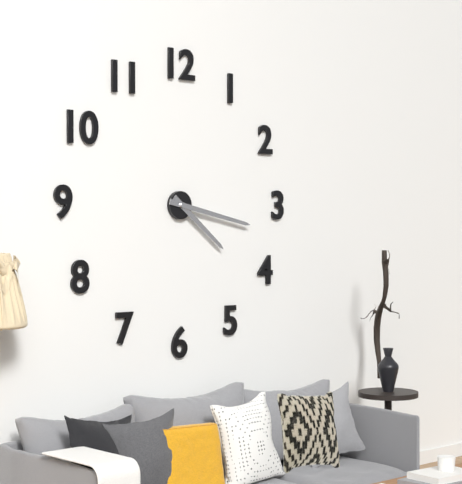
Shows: 4:17
